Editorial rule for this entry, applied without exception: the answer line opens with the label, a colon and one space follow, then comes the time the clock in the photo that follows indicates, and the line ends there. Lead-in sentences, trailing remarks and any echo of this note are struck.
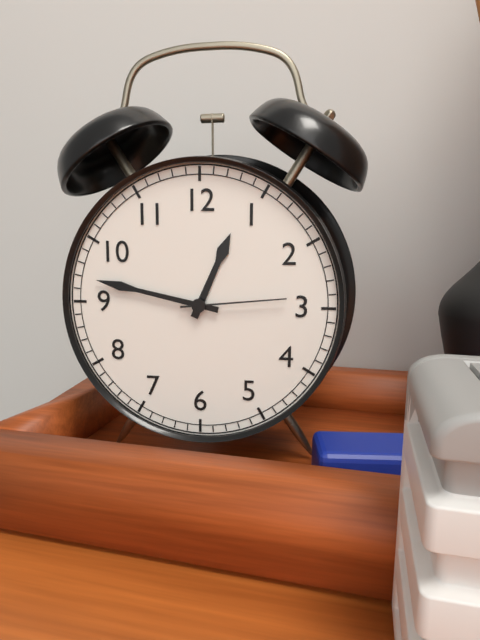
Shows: 12:47:14
